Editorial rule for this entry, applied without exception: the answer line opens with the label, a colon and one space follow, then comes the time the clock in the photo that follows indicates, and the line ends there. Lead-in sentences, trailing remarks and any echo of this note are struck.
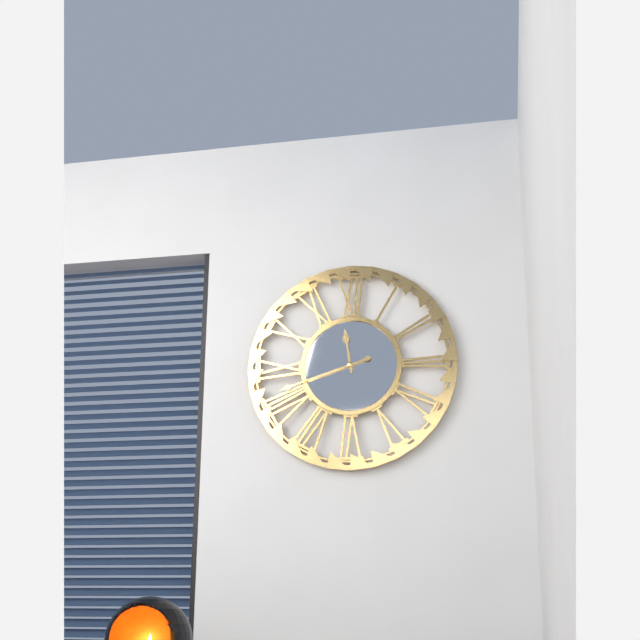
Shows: 11:42
